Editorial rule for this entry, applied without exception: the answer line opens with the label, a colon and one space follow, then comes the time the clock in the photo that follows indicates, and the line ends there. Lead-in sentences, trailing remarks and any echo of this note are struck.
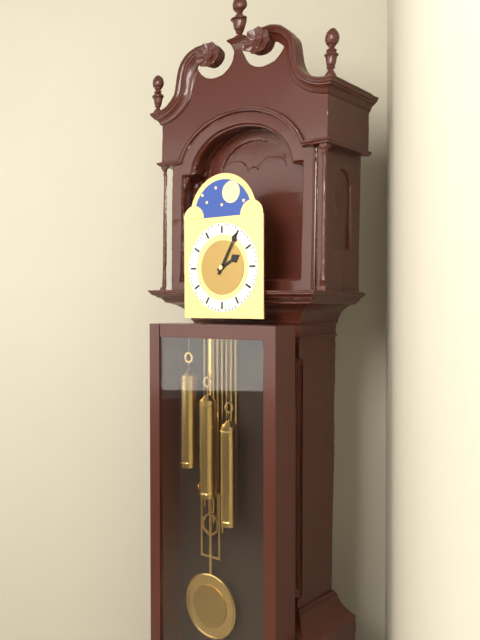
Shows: 2:05
